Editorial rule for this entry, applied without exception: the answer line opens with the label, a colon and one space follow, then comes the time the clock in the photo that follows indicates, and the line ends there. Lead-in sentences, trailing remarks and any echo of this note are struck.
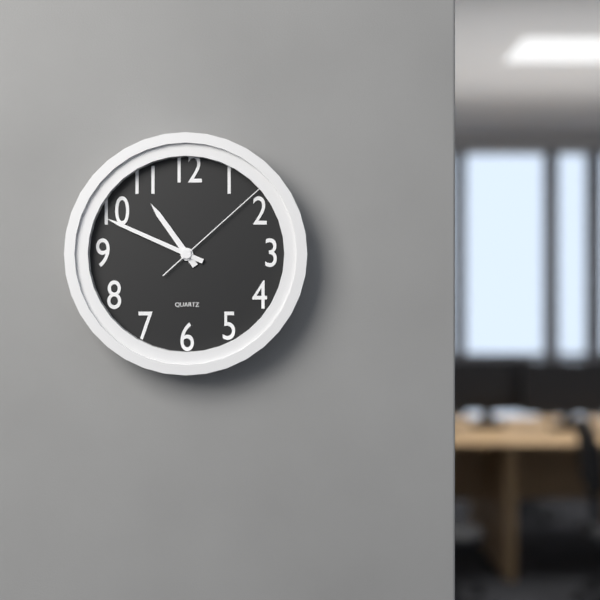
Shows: 10:49:08
